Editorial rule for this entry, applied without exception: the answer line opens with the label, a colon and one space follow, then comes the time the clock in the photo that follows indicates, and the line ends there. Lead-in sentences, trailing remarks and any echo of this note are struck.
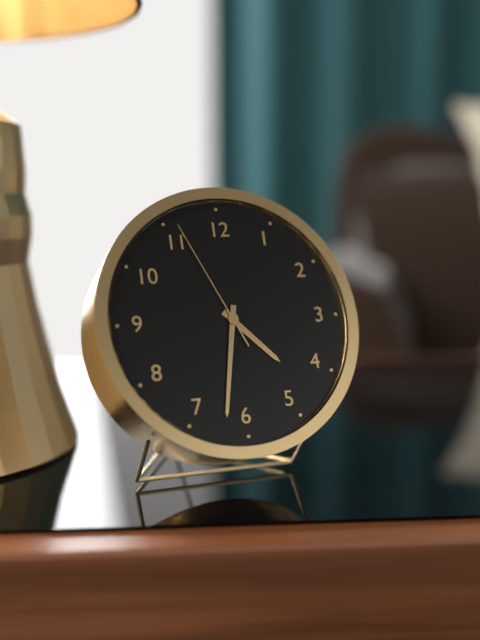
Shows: 4:32:56
